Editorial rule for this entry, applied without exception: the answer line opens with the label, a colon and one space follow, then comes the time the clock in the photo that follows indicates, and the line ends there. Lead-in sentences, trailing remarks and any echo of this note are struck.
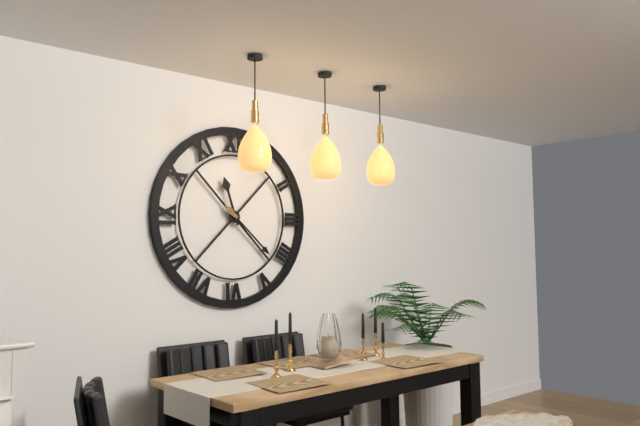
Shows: 11:22
